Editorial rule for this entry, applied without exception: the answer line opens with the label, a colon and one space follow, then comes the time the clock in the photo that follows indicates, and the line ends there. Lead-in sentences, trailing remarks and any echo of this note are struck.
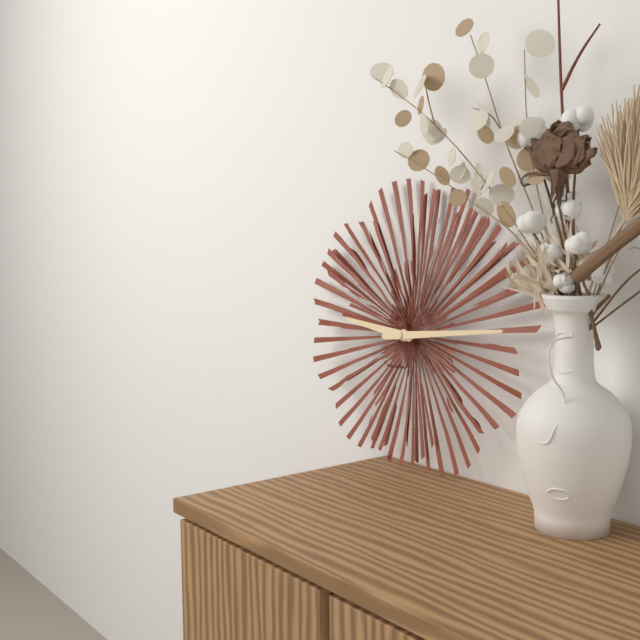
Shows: 9:14
